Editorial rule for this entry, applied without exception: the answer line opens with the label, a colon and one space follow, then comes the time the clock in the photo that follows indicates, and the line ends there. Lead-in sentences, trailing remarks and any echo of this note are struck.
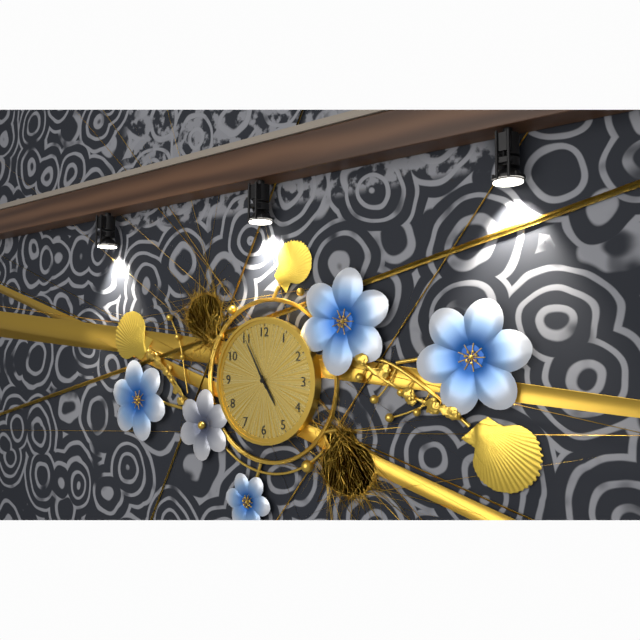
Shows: 4:55
